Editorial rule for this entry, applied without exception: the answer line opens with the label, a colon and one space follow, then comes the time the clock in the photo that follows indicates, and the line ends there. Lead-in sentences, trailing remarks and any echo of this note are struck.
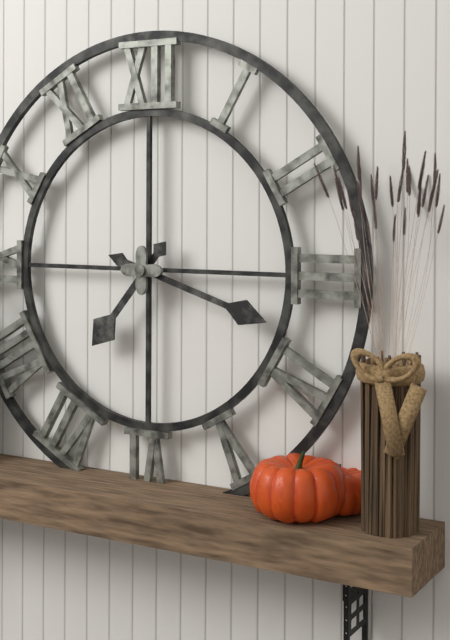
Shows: 7:18
